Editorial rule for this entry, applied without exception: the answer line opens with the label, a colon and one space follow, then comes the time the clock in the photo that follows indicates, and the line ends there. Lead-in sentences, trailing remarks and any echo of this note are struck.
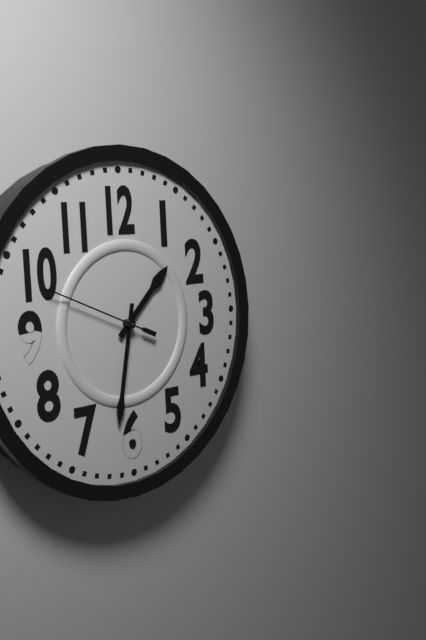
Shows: 1:32:49
